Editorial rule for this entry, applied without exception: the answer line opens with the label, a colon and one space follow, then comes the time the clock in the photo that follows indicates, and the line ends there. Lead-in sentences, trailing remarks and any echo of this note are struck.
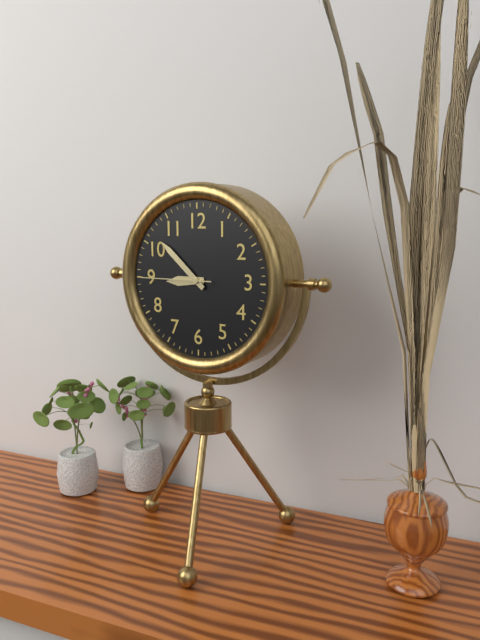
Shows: 8:52:45
